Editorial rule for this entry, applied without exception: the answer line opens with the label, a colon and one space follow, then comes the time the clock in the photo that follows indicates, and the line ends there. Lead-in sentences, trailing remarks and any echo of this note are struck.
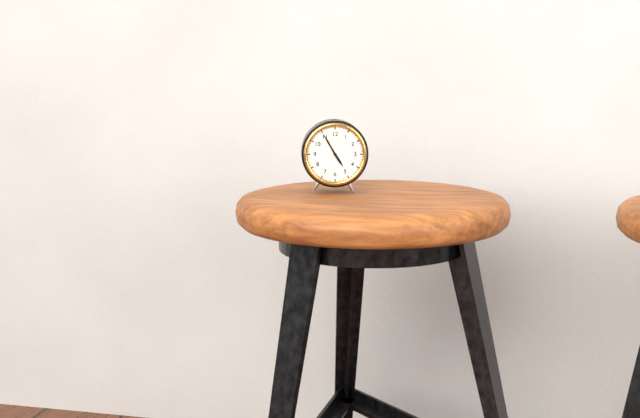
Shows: 4:55
